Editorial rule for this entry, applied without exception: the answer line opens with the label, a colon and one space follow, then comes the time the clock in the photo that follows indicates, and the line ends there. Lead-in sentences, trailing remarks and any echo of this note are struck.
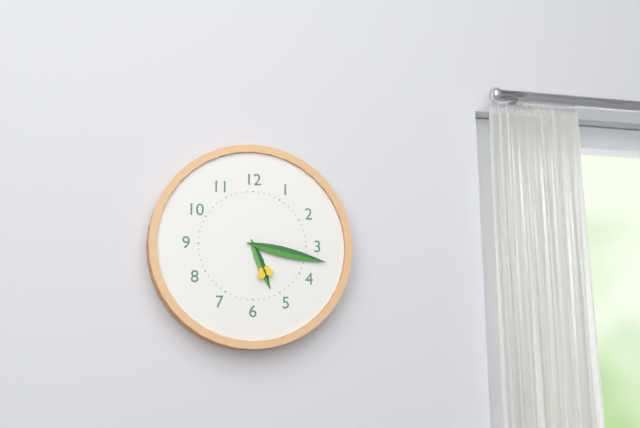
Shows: 5:17
